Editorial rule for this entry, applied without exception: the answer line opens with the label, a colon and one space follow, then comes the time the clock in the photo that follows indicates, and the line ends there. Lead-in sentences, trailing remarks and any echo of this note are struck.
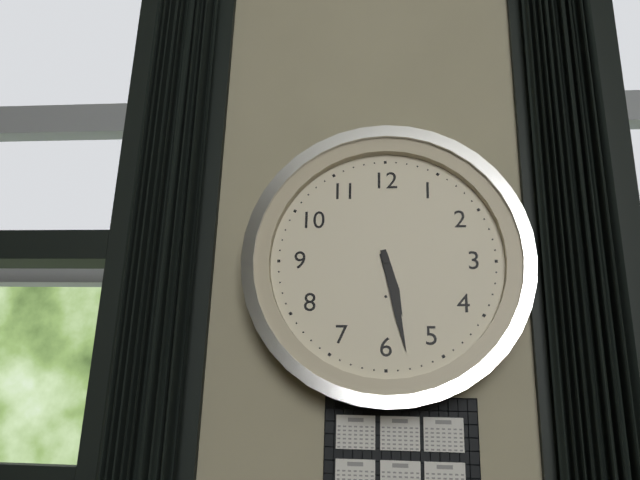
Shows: 5:28
